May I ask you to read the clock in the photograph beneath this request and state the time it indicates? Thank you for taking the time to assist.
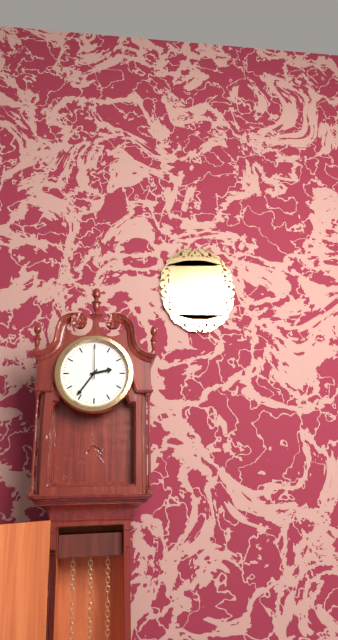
2:36
